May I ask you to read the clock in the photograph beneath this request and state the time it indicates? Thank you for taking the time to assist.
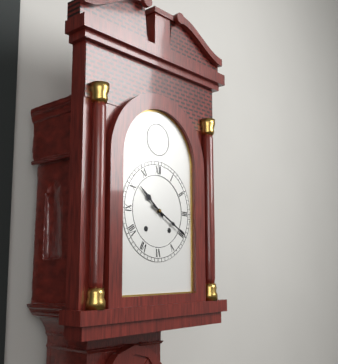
10:20
